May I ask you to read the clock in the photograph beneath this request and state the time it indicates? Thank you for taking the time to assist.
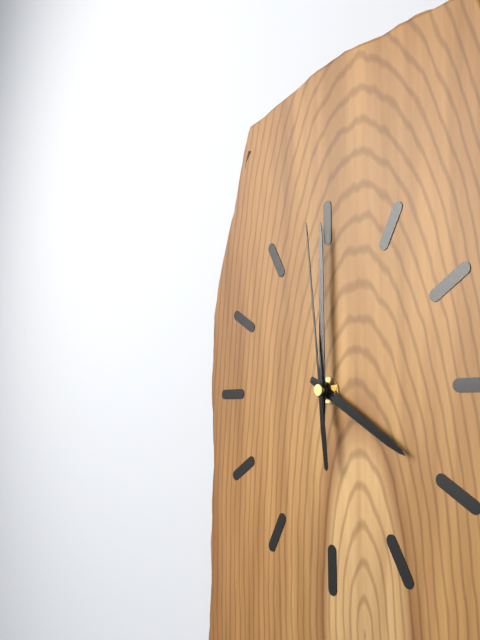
4:00:59
